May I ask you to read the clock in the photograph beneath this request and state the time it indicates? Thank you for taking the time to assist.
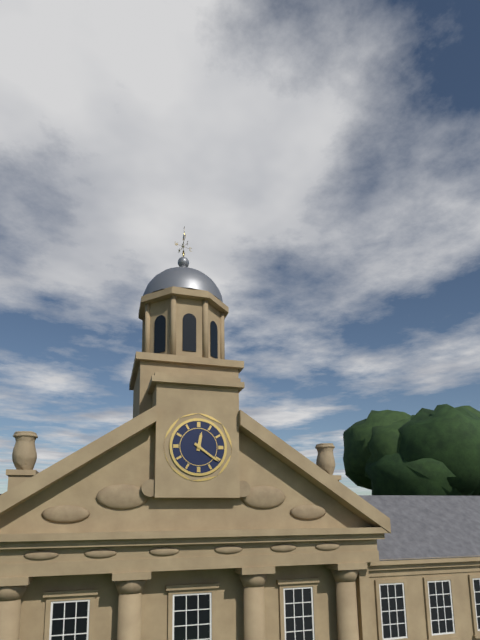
12:21
